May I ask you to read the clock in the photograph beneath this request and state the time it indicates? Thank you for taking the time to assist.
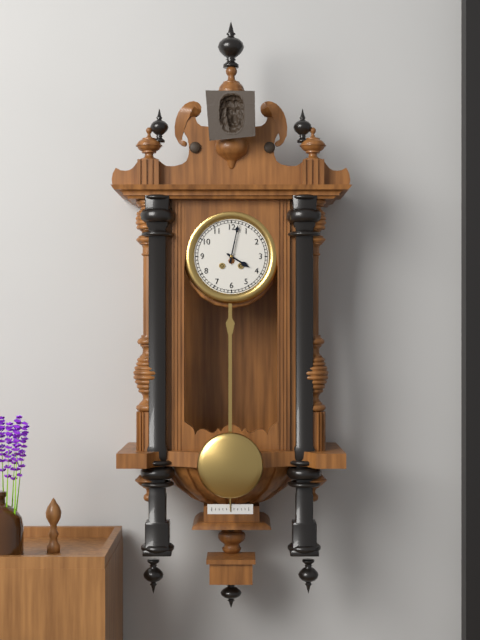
4:02
